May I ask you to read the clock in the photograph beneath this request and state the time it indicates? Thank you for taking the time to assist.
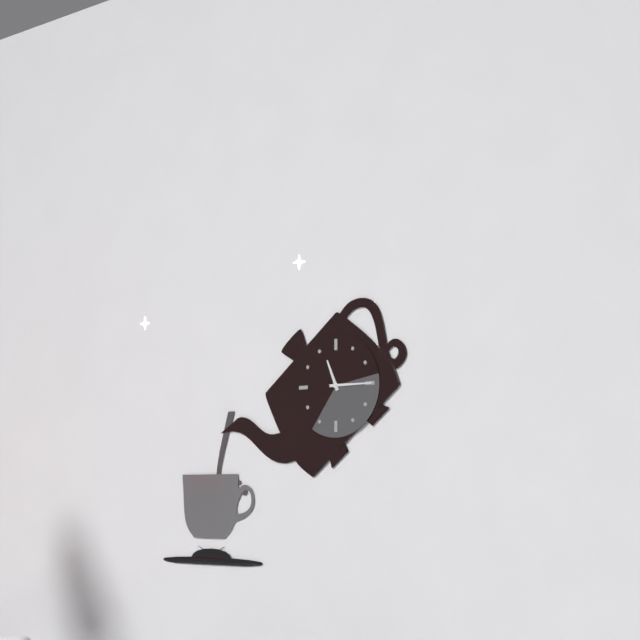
11:15
